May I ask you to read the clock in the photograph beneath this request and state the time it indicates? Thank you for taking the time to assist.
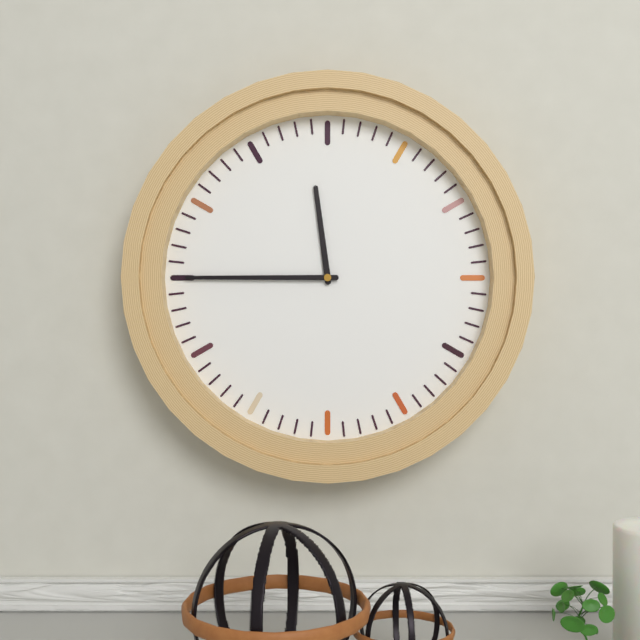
11:45
